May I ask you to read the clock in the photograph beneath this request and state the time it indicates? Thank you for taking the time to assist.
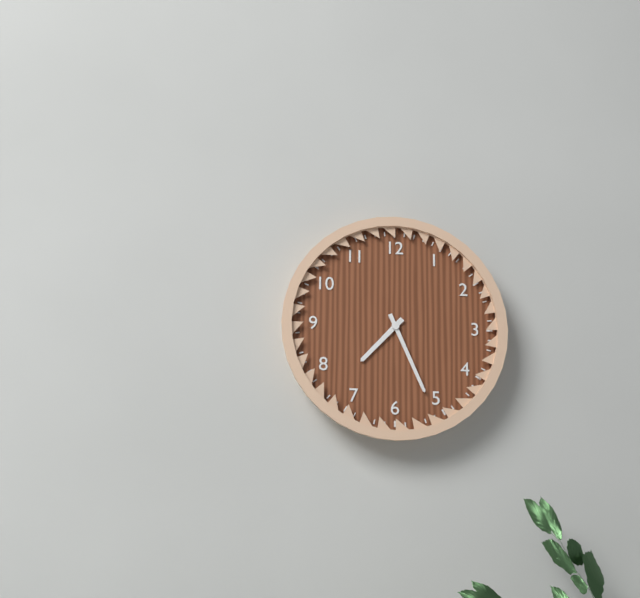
7:26
